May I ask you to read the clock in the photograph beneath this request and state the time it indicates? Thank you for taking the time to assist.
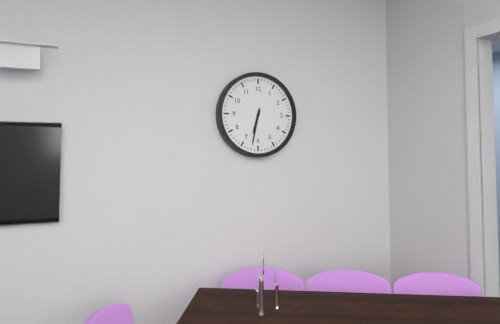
6:32
